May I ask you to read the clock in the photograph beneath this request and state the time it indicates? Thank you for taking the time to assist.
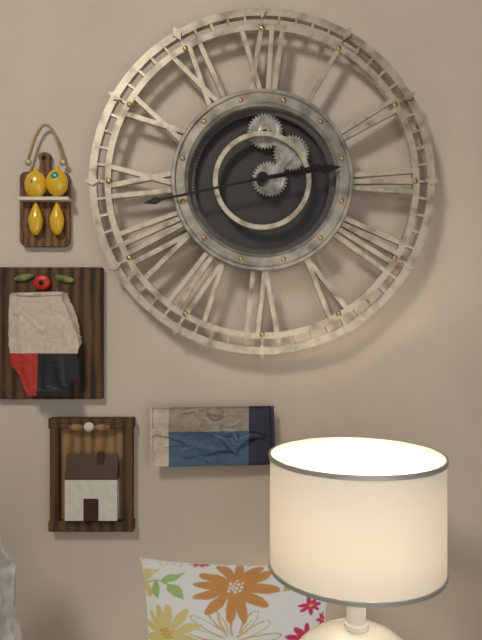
2:43
